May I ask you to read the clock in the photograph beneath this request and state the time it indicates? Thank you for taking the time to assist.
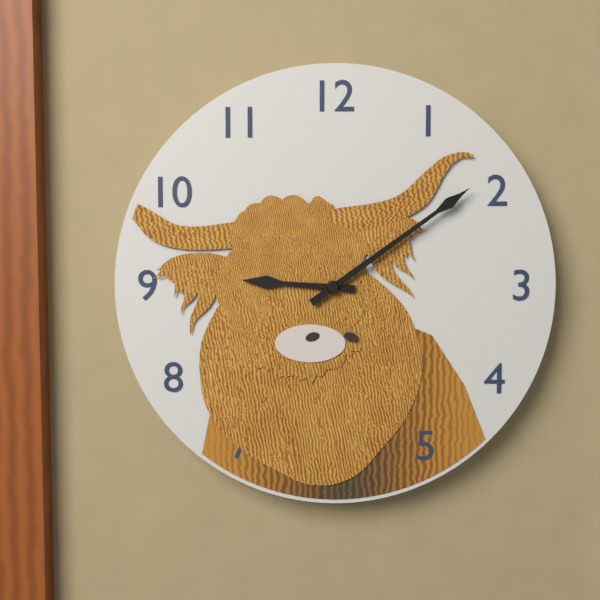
9:09
